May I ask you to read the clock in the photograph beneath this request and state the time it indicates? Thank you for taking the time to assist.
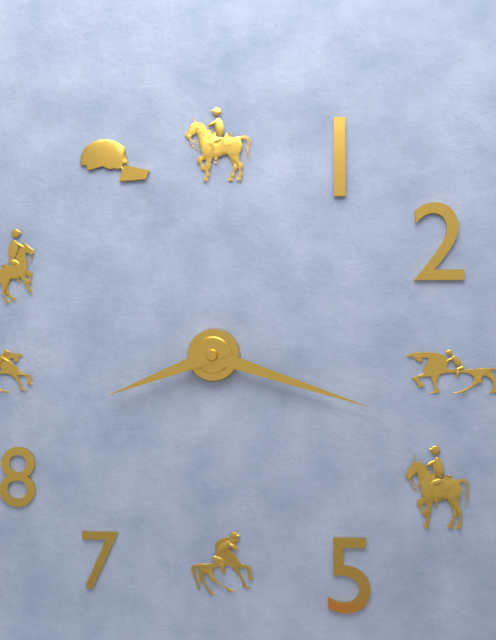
8:18
